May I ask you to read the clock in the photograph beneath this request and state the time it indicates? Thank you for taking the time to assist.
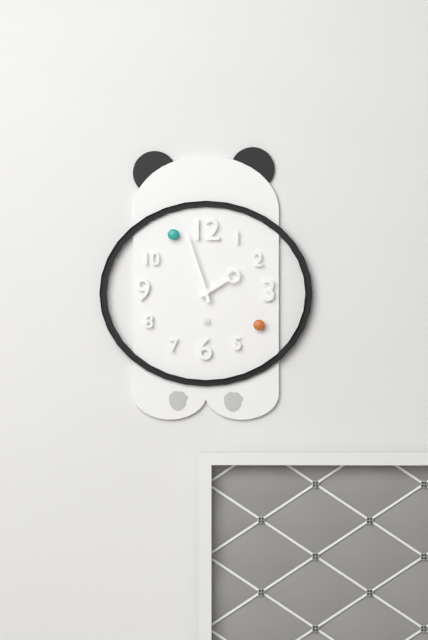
1:57
